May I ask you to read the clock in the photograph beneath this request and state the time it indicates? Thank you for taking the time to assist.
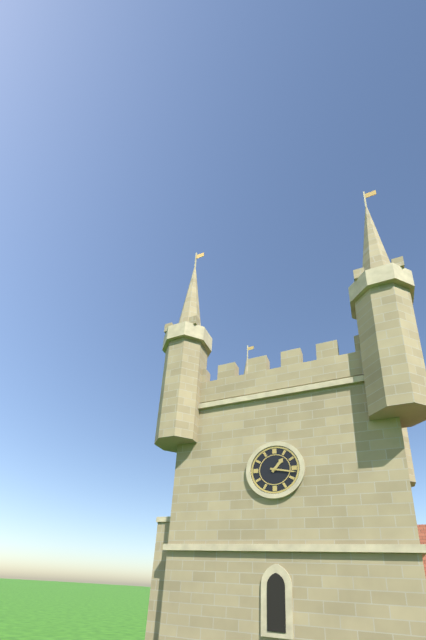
1:17
